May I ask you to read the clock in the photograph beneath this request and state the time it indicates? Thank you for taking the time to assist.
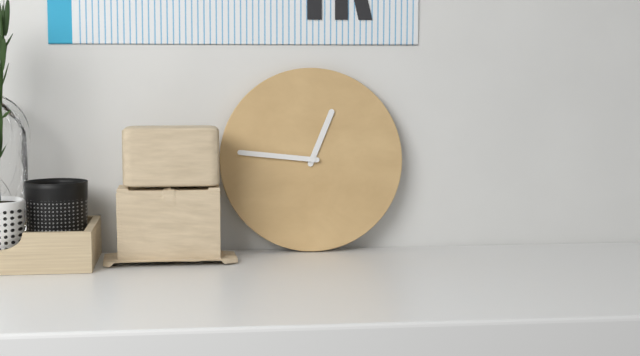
12:46
